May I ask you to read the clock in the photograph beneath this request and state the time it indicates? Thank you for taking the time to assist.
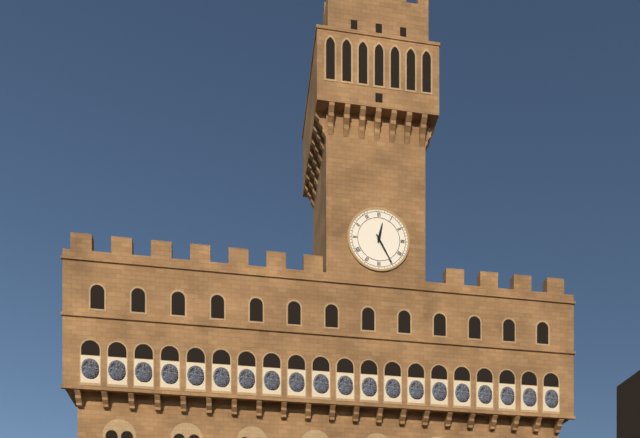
12:25
